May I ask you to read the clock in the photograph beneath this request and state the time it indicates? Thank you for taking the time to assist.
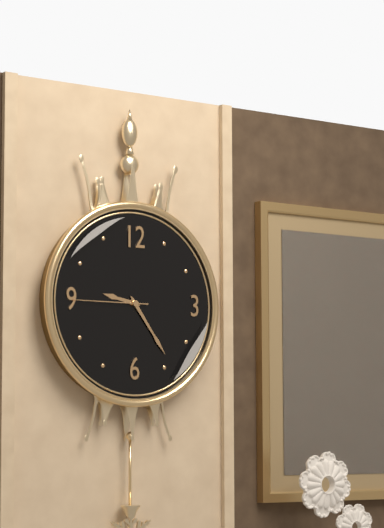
9:24:45
